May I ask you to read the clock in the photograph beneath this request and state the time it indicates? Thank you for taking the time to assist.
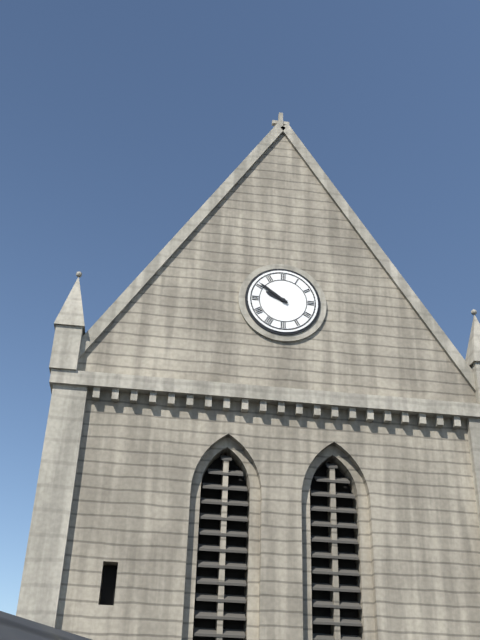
9:51
